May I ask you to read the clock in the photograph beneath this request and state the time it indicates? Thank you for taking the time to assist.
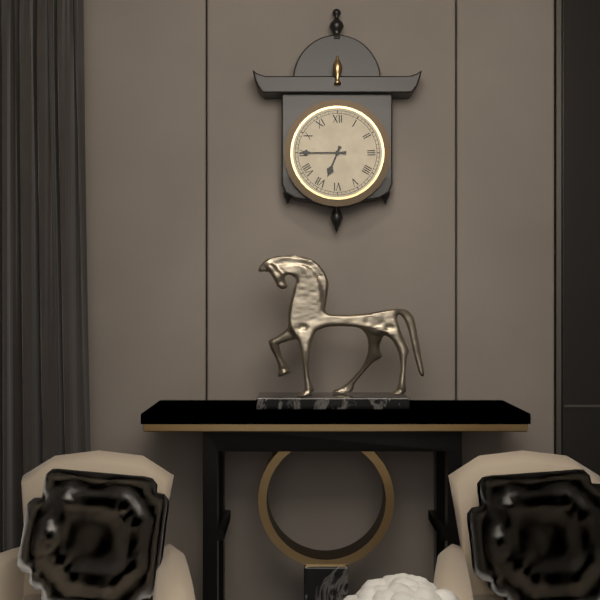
6:45
